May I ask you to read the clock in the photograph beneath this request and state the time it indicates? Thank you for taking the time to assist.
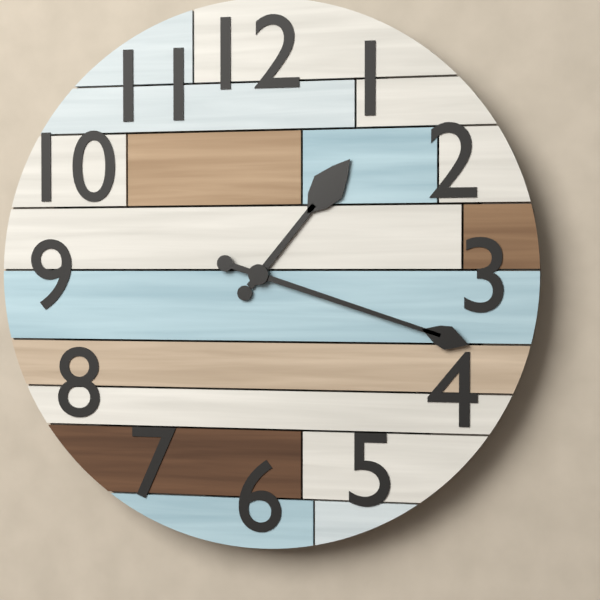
1:18
